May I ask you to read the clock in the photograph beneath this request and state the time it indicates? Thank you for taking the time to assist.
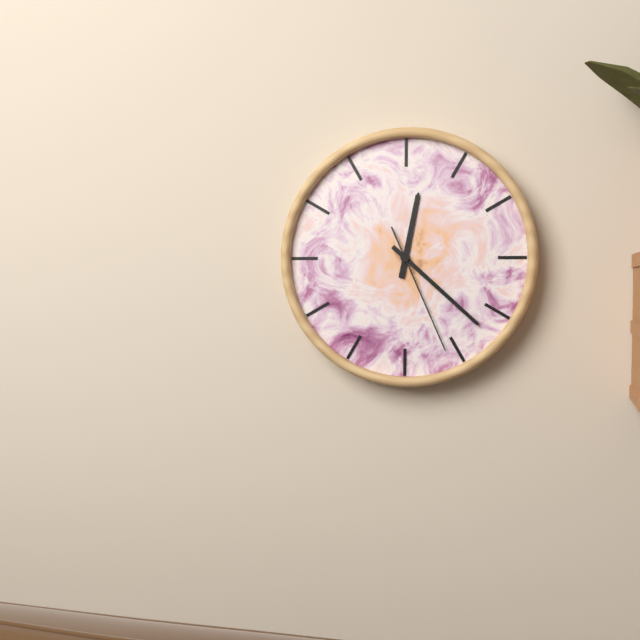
12:22:26
